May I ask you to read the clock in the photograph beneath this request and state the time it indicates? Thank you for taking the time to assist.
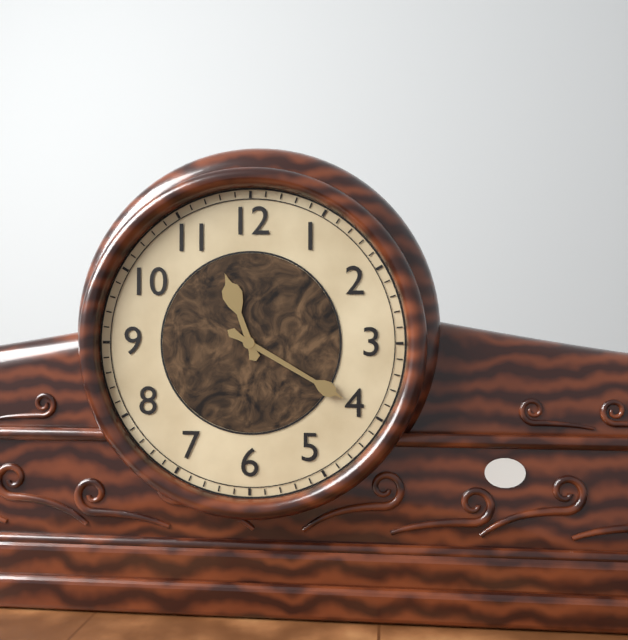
11:20
